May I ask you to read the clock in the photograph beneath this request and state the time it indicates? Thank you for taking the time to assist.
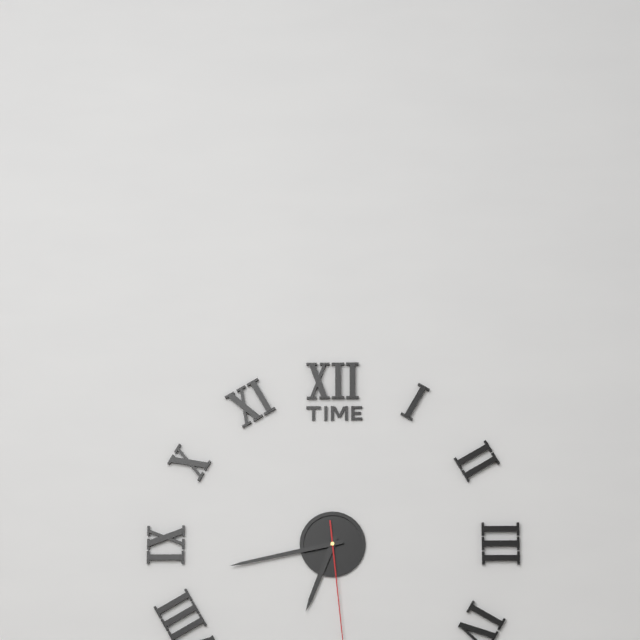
6:43:29
